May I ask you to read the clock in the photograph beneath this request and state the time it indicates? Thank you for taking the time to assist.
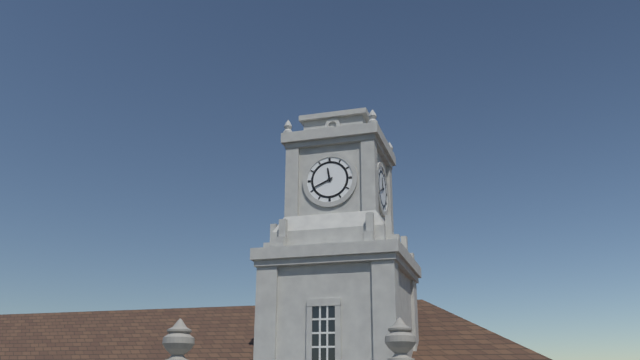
11:41
